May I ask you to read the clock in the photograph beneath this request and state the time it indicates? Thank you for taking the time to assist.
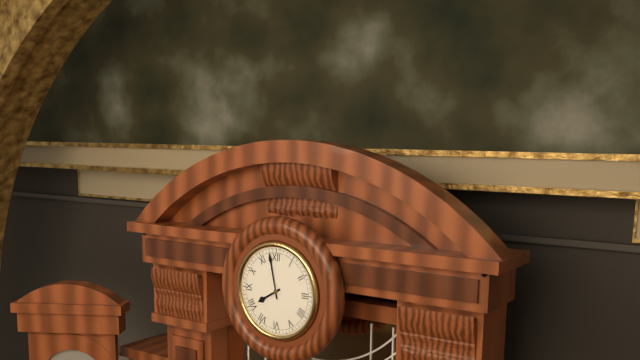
7:58
